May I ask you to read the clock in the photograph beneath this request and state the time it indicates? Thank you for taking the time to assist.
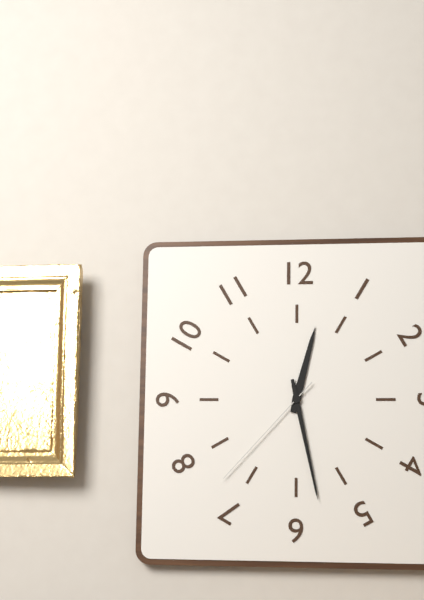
12:28:37
